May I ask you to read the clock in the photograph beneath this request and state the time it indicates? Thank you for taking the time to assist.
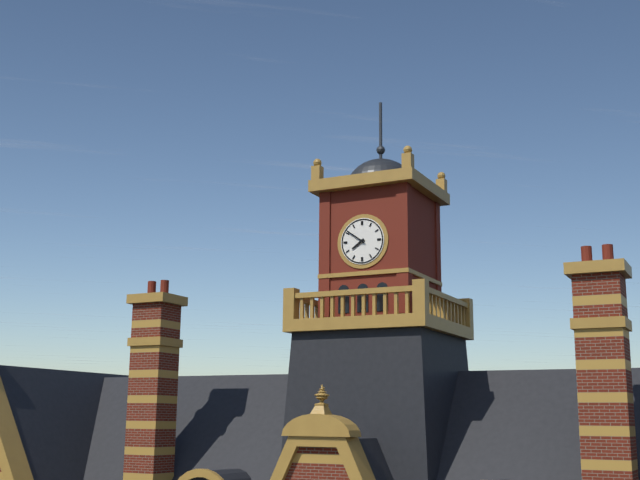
7:51
